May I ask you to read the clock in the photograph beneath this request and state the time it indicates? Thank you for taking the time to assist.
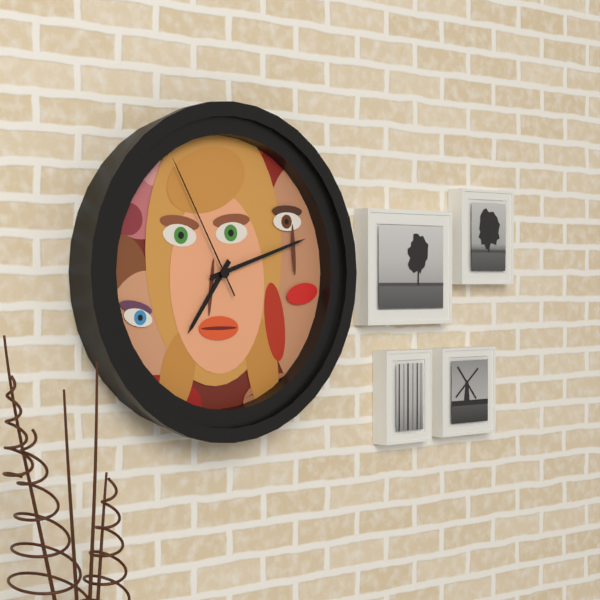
7:12:55
